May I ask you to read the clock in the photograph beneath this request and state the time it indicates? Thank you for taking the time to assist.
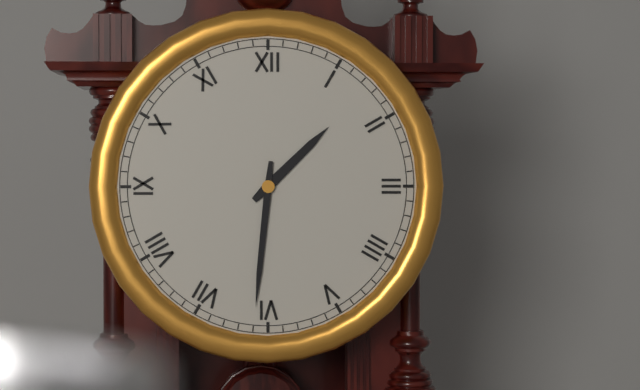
1:31
